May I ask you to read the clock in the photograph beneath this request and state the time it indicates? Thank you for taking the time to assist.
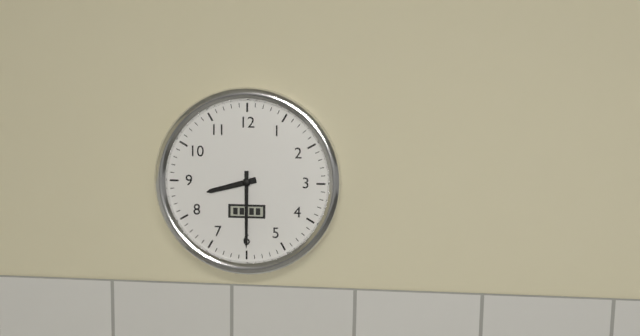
8:30
